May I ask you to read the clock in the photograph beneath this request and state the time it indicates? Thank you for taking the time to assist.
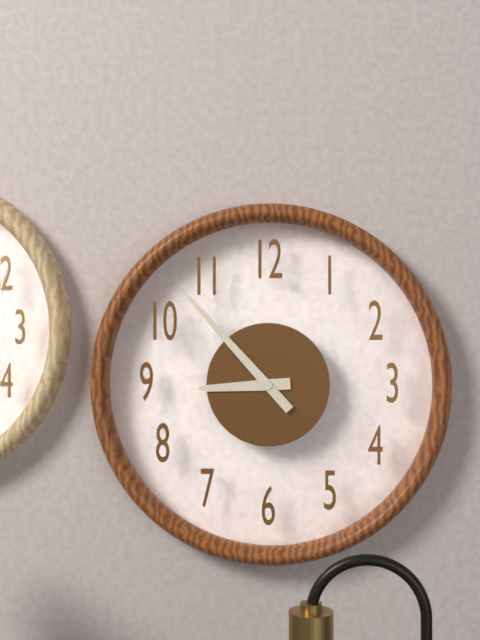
8:53
